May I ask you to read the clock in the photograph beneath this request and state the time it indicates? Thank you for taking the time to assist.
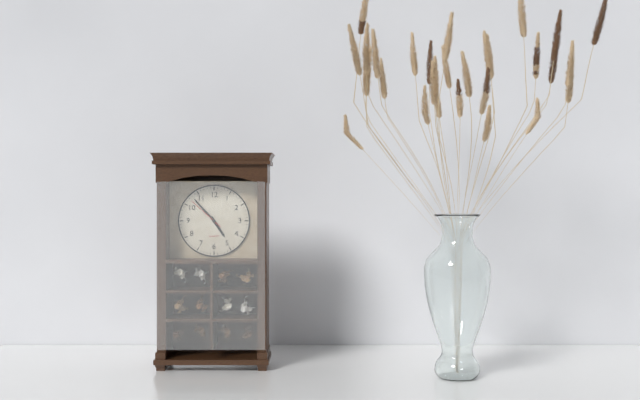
4:53
